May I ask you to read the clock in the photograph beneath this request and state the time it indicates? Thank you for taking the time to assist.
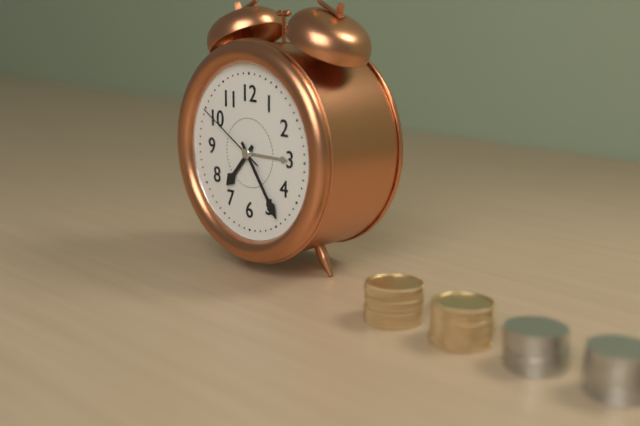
7:24:50
